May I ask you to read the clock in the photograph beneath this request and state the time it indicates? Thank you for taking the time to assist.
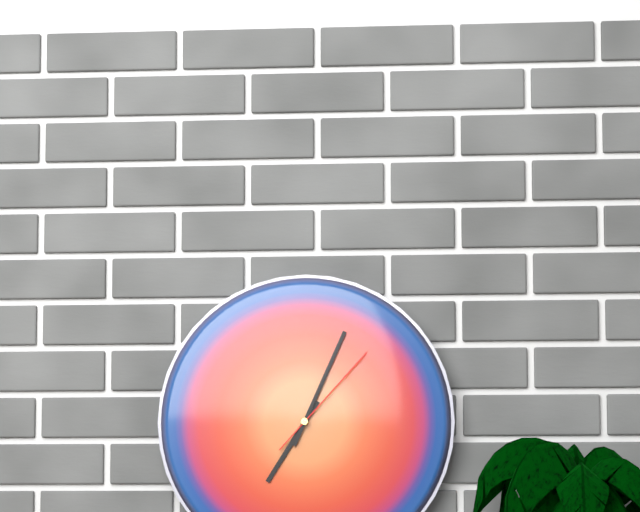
7:04:07
